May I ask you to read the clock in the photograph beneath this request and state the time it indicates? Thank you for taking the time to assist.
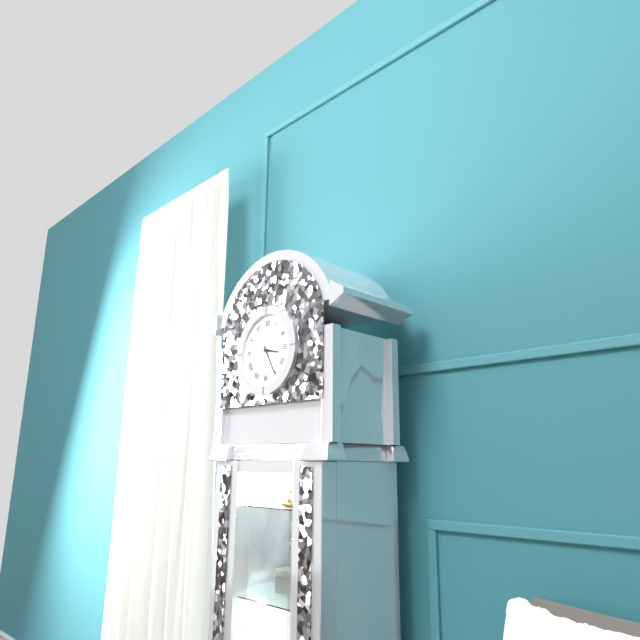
3:25
